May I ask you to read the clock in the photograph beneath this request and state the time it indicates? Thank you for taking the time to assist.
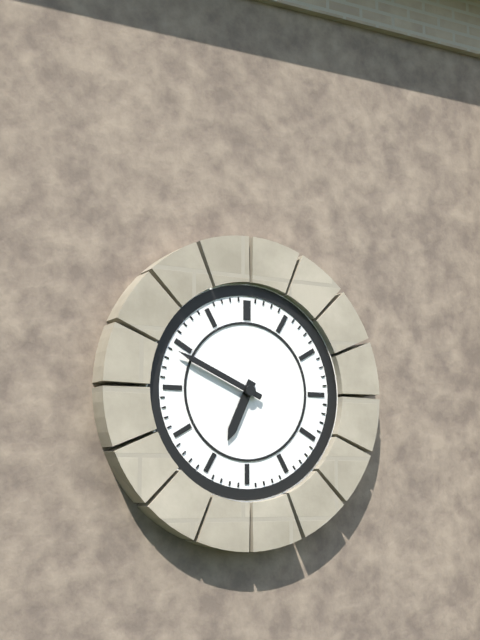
6:49
